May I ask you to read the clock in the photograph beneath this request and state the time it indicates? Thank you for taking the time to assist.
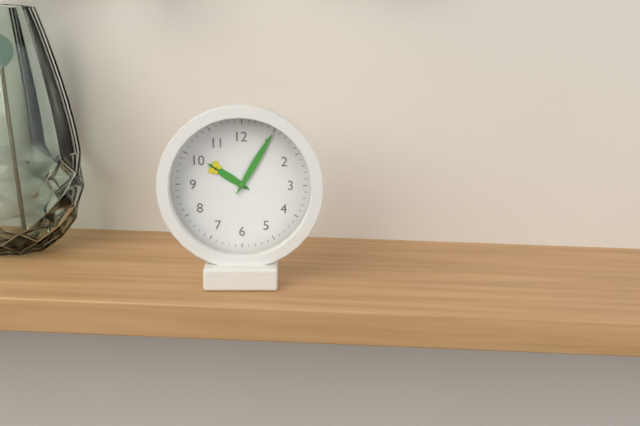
10:05
